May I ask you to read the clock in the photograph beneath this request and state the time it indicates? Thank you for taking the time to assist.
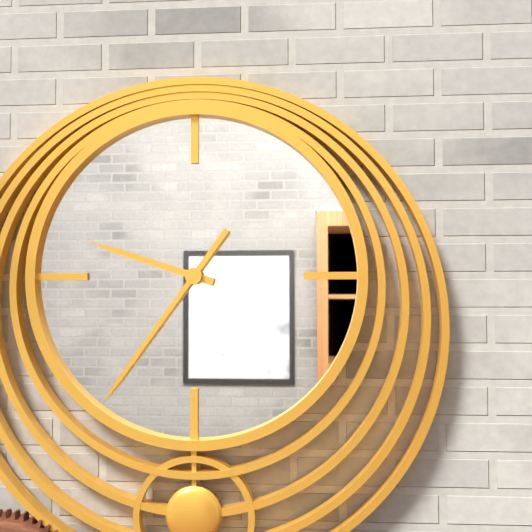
9:36
